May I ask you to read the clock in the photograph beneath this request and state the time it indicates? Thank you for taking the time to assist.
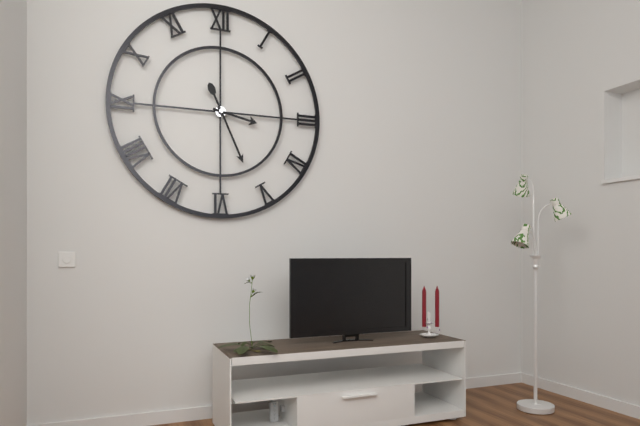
3:26
